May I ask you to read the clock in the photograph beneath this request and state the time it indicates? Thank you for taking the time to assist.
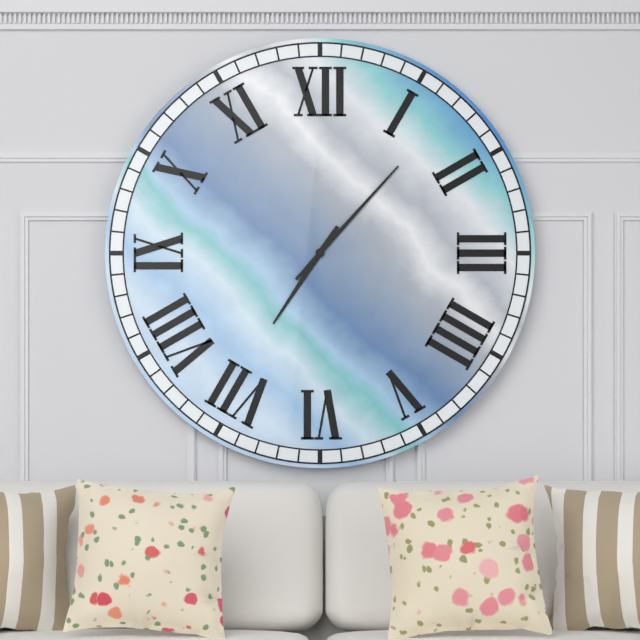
7:07
